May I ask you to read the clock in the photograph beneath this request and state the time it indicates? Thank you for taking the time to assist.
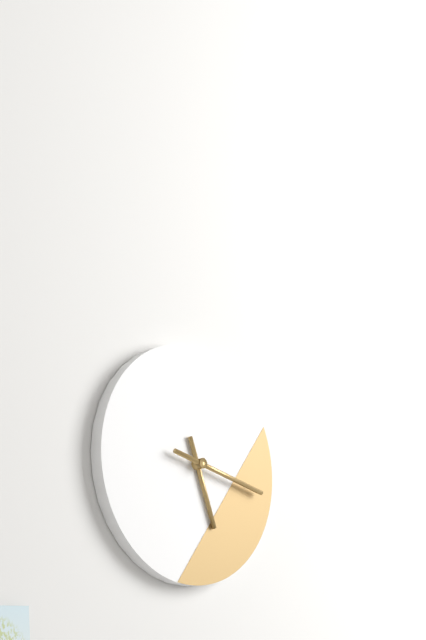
5:17
